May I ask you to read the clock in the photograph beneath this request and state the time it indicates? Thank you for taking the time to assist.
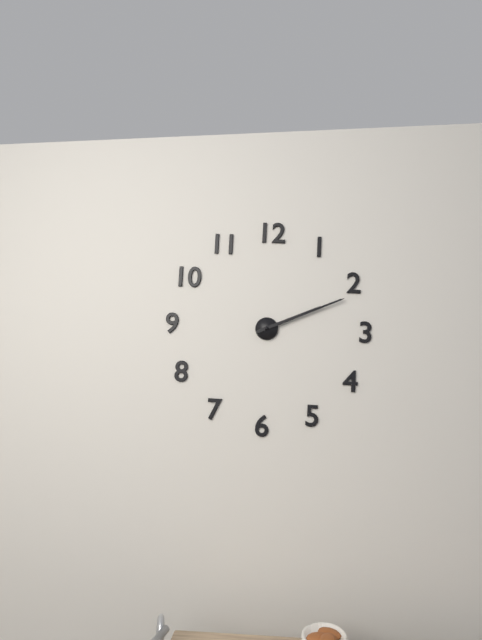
2:11
